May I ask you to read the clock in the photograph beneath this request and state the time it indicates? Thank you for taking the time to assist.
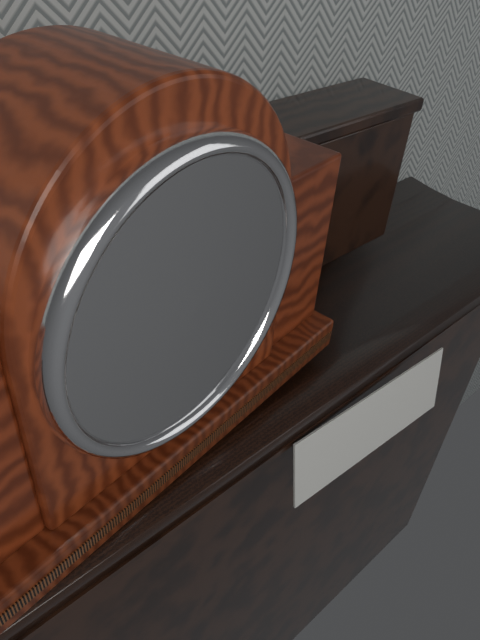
8:00
